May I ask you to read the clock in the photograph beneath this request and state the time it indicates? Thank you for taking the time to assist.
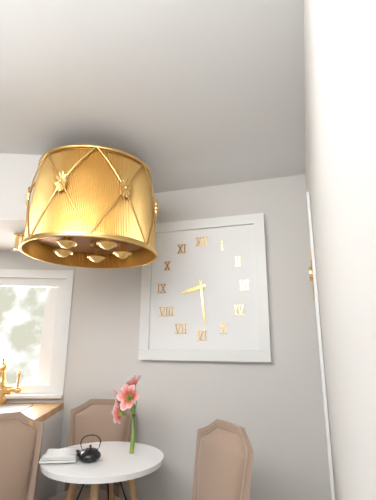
8:29
